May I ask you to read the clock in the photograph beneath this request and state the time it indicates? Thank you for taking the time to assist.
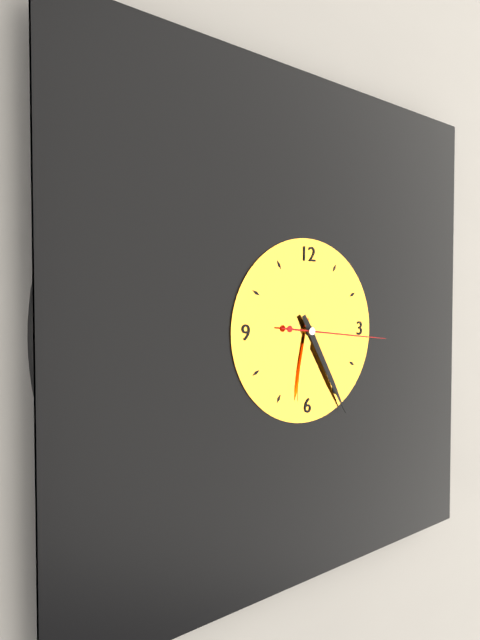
6:25:16
